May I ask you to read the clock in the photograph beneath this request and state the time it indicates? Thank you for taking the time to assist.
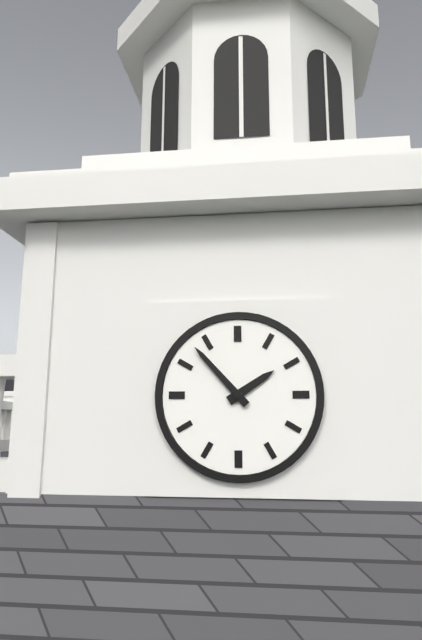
1:53
